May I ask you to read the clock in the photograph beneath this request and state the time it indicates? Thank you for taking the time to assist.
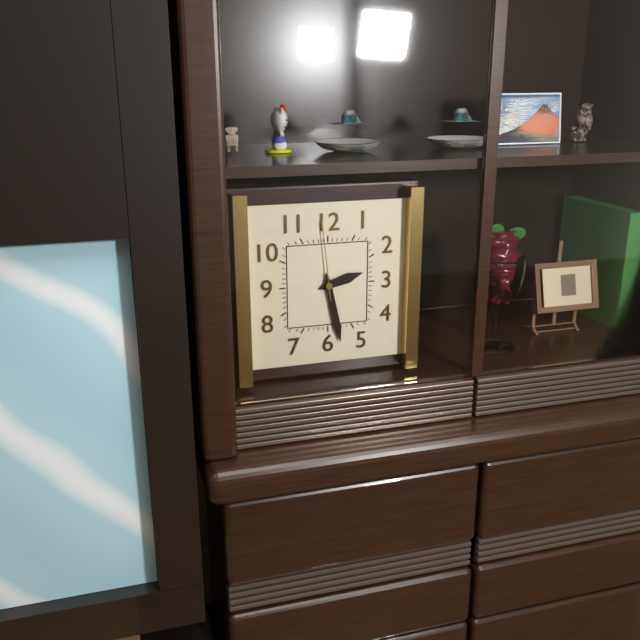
2:28:59
